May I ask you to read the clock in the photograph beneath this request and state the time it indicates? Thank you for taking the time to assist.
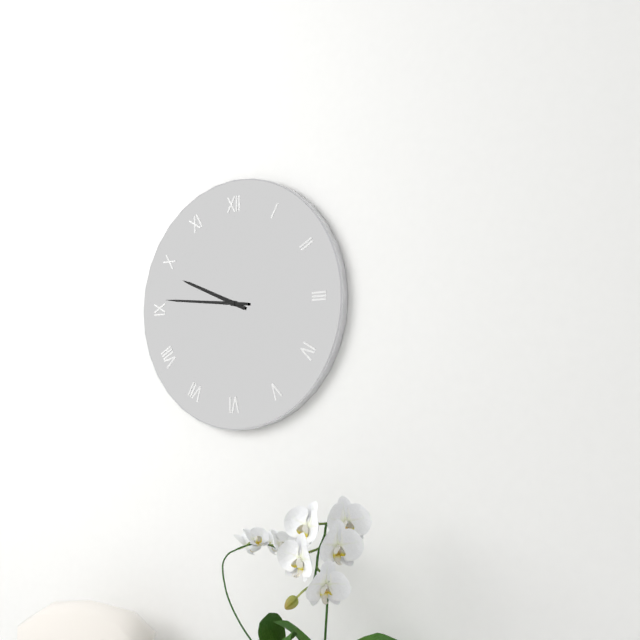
9:46
